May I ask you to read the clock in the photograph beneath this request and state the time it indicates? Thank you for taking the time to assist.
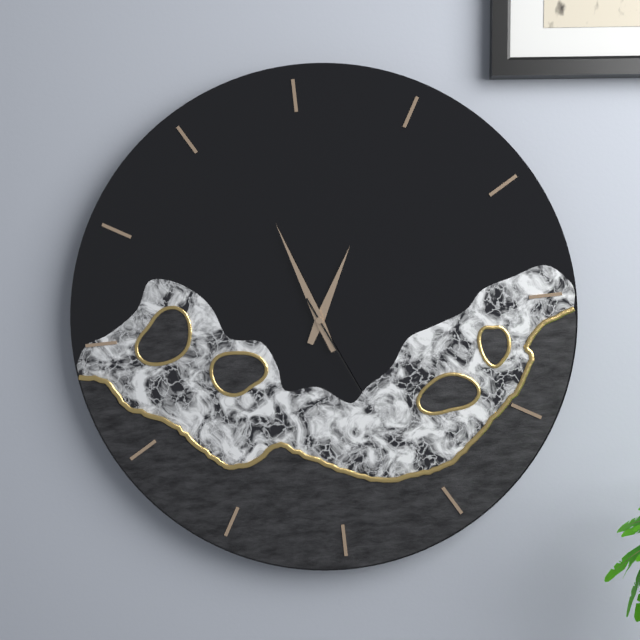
12:57:26
